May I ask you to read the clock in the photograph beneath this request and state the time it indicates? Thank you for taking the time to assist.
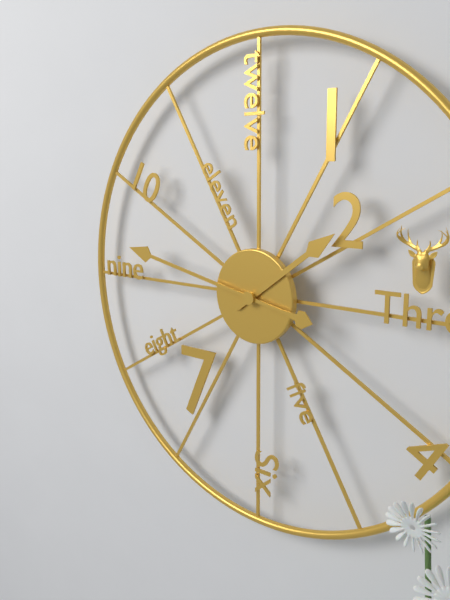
1:47
